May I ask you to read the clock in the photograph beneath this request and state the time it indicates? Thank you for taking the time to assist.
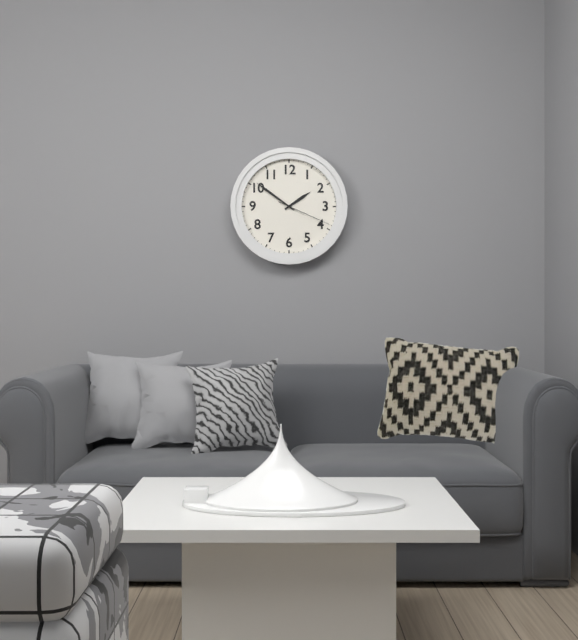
1:51:19
